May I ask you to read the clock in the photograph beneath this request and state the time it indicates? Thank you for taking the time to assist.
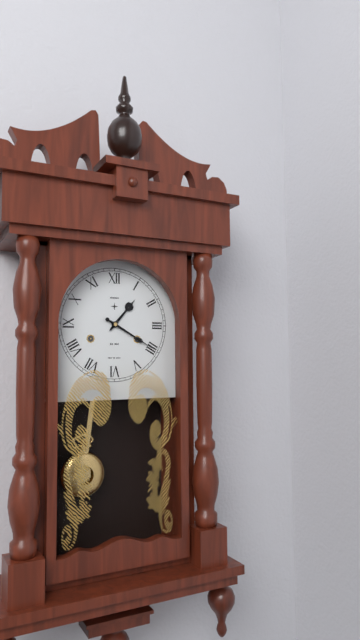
1:20
